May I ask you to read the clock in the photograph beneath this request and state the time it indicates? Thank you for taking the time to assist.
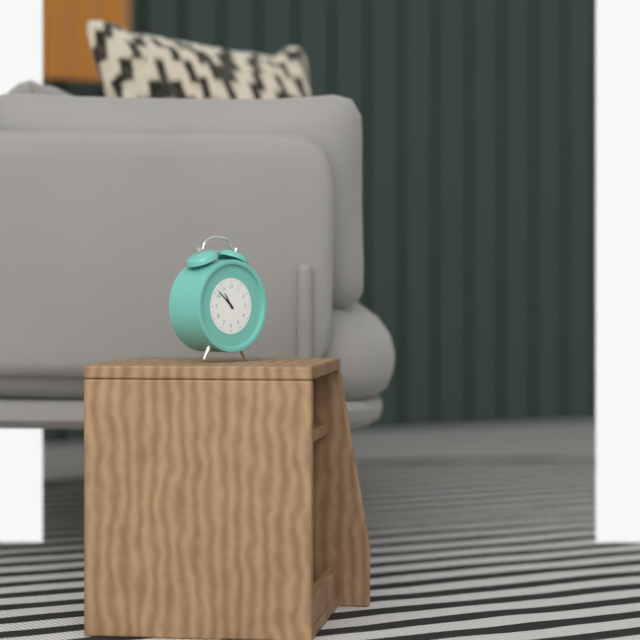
10:52
